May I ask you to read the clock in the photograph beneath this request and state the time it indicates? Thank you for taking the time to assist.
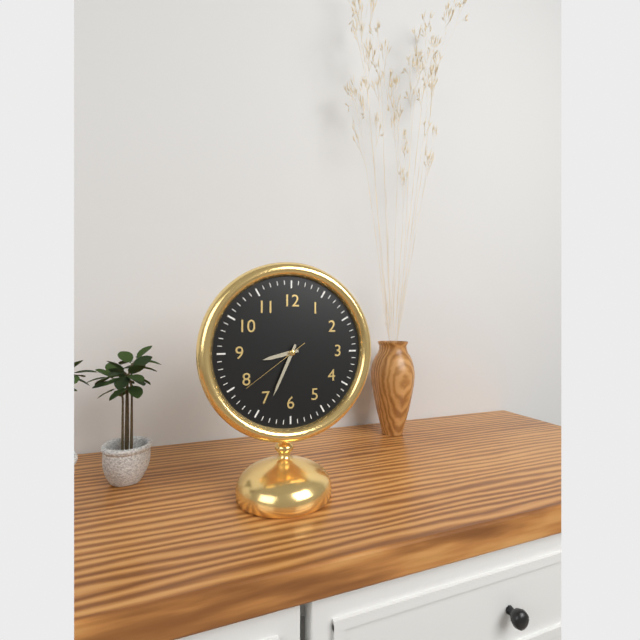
8:34:39
